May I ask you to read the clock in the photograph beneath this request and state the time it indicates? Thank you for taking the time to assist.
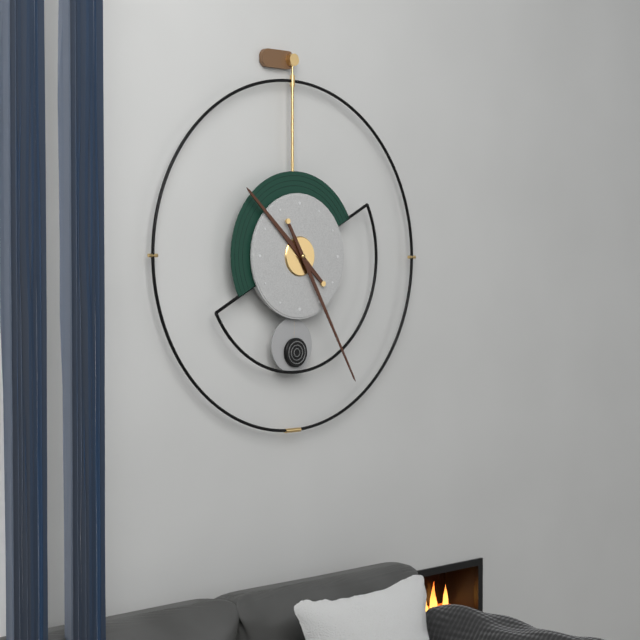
10:25
